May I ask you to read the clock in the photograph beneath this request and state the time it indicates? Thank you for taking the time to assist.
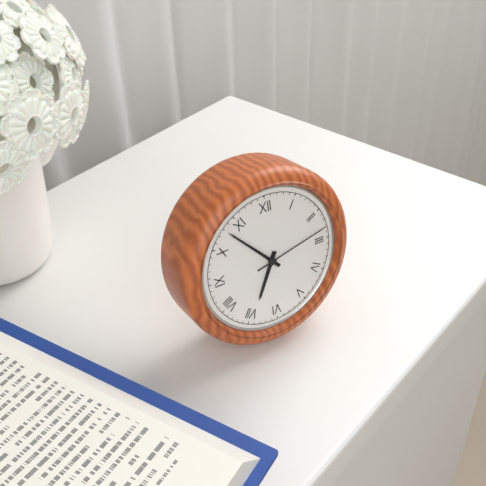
6:53:13
